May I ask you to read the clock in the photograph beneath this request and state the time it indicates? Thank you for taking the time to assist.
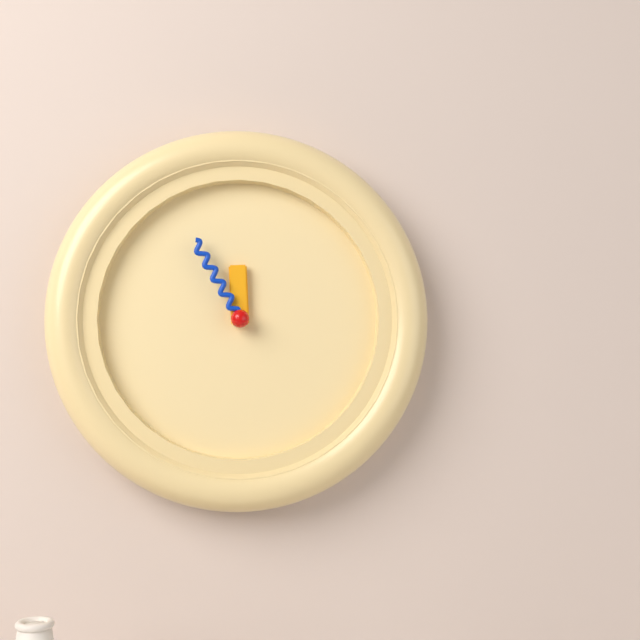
11:55
